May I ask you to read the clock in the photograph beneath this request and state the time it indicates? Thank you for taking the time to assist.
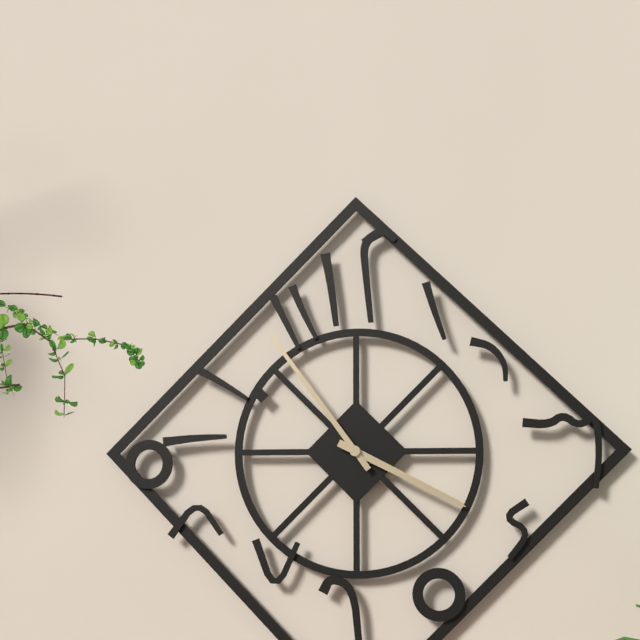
3:54
